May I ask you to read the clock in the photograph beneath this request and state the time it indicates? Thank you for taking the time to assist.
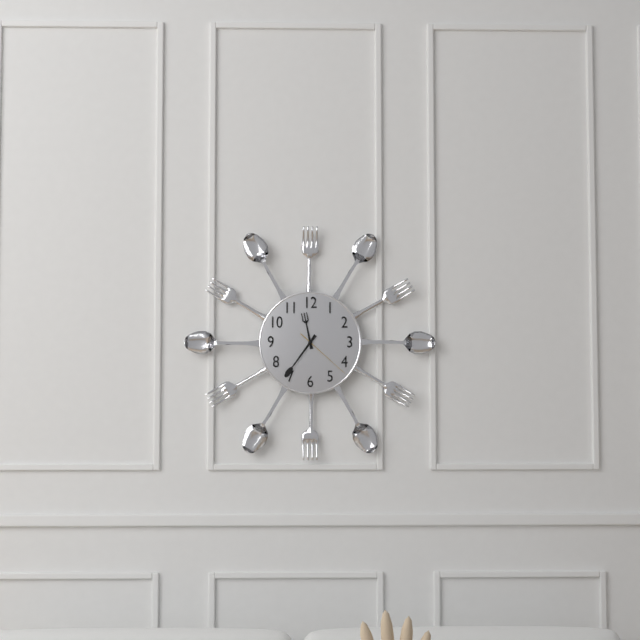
11:36:22
